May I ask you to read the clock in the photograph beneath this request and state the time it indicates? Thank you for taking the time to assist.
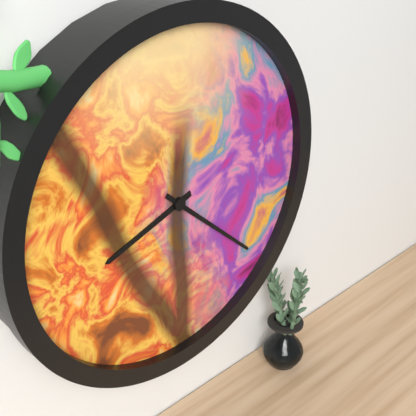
8:22
